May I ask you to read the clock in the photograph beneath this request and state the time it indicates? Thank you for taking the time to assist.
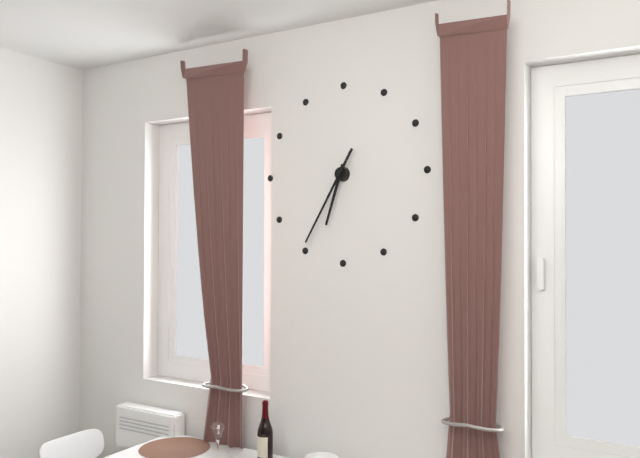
6:35
